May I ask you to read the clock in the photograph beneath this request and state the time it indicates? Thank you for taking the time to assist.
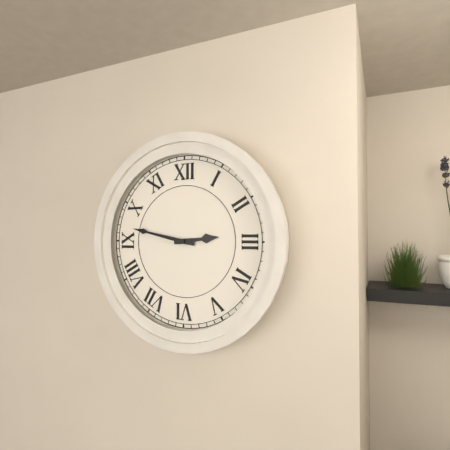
2:47
